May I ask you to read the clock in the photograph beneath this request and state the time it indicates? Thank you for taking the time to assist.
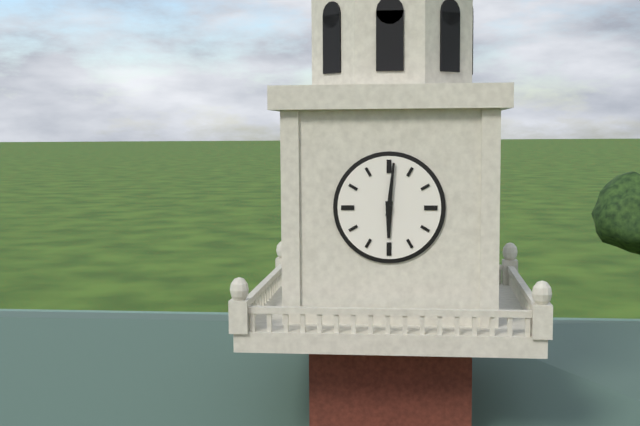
6:01
